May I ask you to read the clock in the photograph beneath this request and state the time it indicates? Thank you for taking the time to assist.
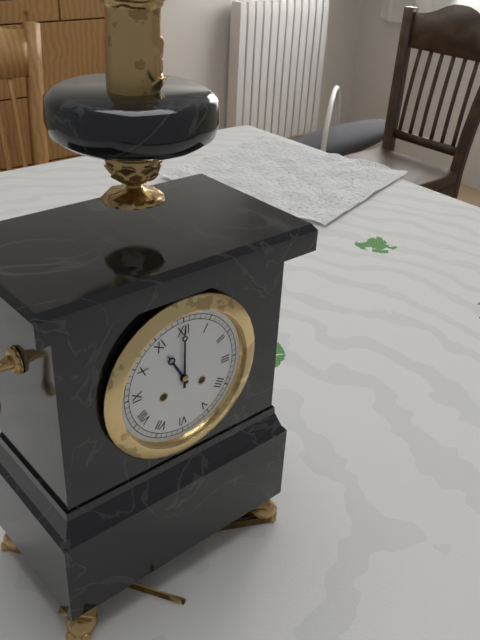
11:00
